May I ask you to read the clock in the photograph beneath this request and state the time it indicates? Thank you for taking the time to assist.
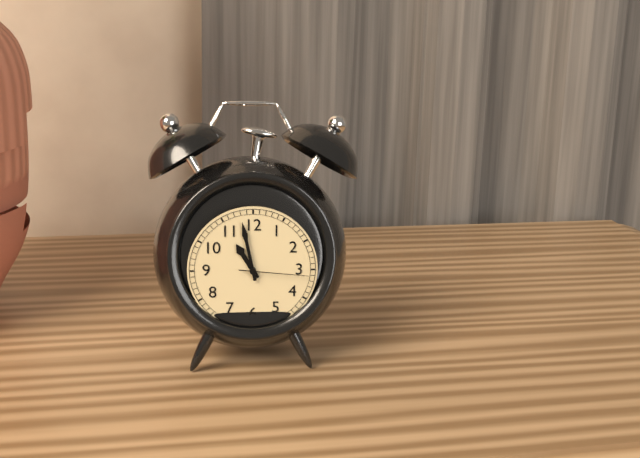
10:58:16
